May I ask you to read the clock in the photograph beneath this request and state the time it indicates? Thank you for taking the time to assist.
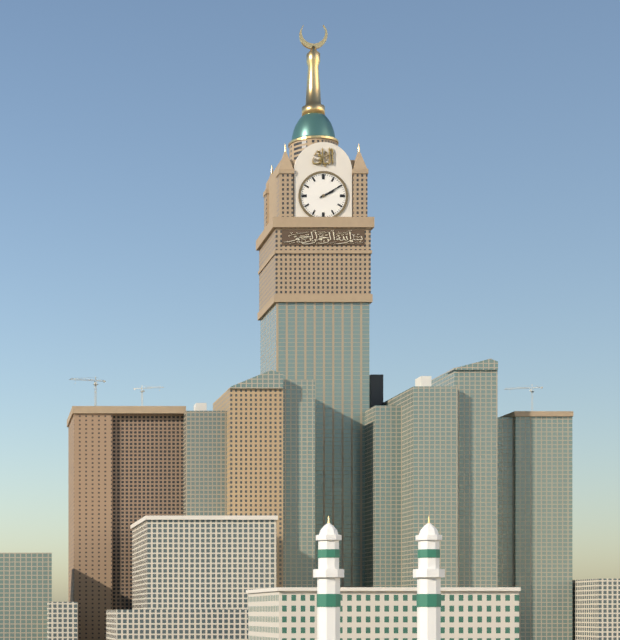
2:10
